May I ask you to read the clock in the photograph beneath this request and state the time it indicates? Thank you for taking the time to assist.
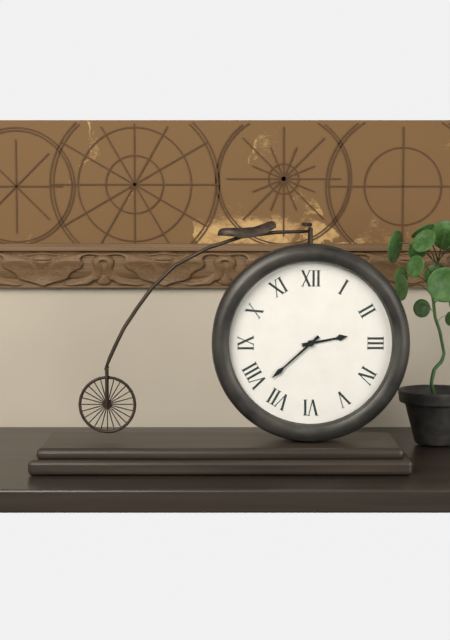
2:38
